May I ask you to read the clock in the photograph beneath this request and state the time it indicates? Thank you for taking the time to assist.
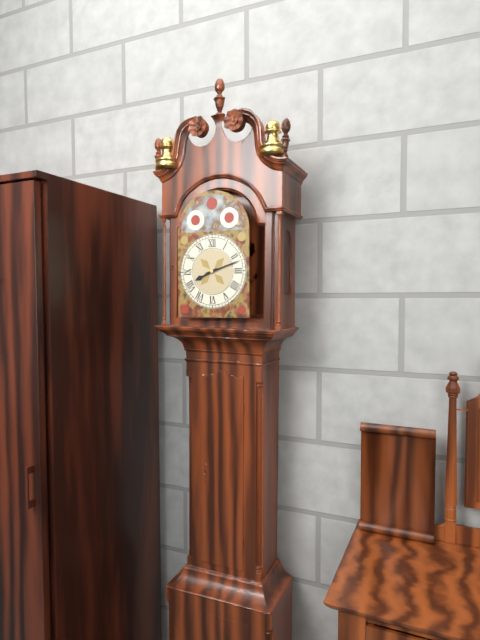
8:12
